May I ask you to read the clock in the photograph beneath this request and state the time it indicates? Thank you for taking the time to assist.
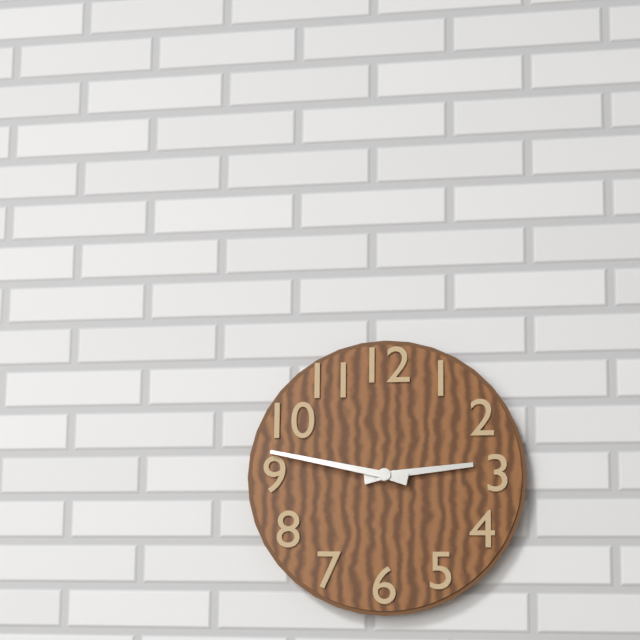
2:47
